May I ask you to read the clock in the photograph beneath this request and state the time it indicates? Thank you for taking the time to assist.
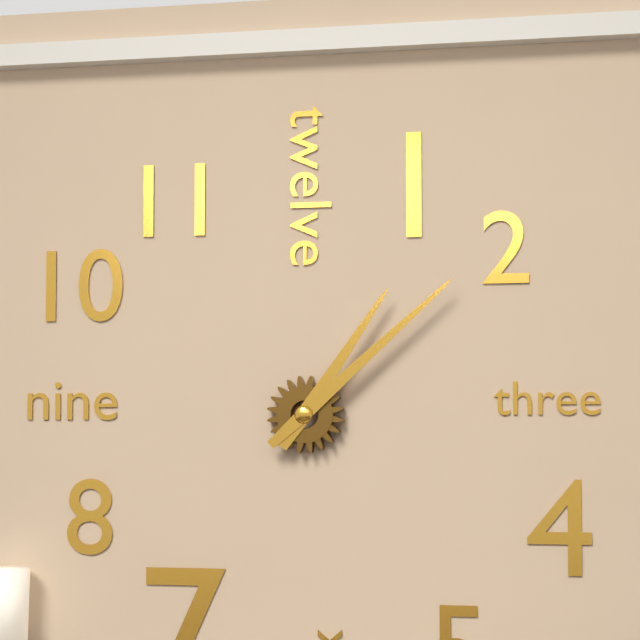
1:08
